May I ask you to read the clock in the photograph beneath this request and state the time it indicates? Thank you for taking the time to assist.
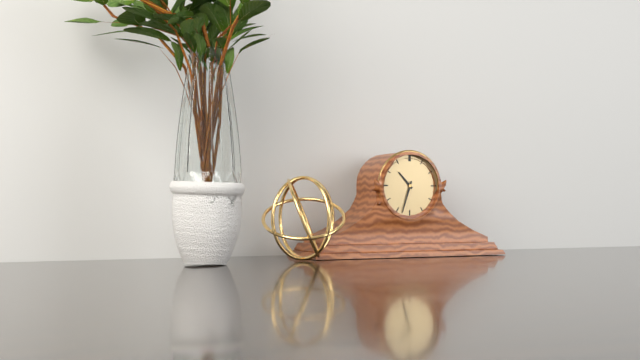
10:33
